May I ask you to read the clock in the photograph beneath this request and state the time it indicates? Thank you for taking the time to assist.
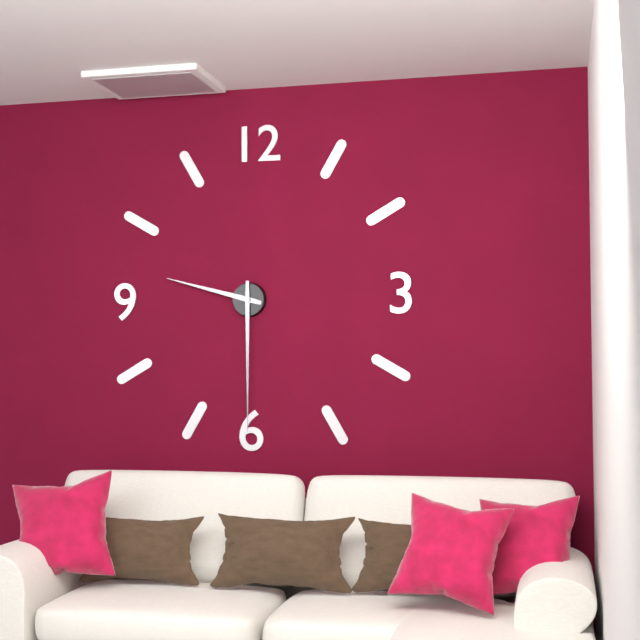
9:30
